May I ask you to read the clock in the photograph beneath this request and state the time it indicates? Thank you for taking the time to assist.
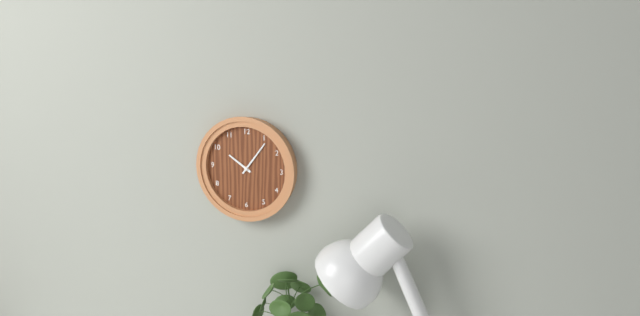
10:06
